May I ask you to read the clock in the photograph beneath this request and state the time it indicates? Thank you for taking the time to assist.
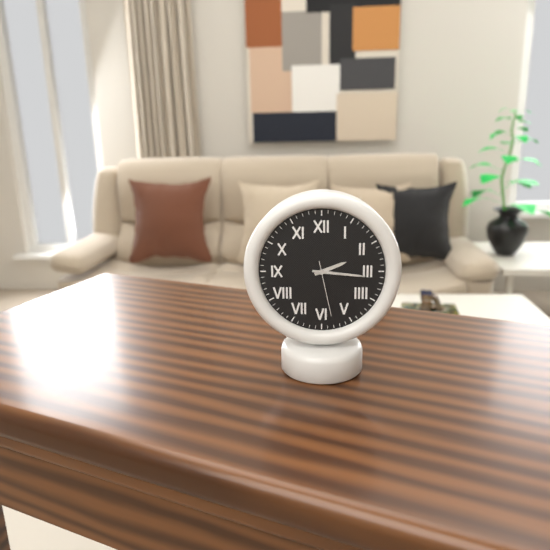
2:16:28
